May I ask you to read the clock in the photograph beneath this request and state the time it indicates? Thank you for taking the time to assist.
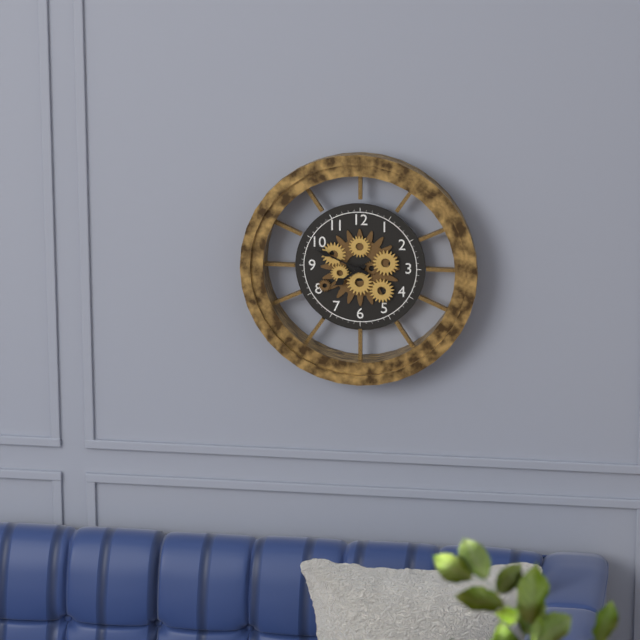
7:49
